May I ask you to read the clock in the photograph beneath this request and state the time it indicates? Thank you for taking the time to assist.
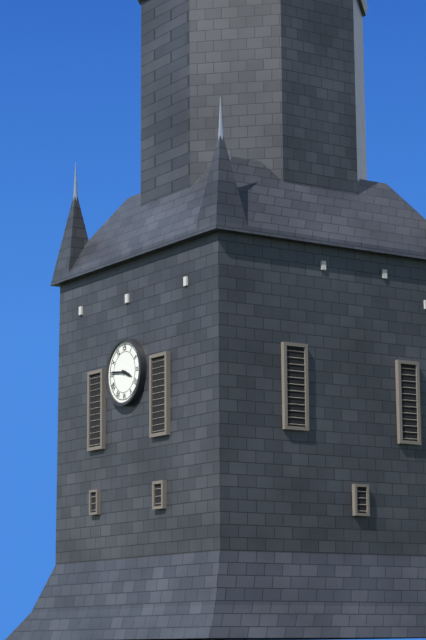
3:46
